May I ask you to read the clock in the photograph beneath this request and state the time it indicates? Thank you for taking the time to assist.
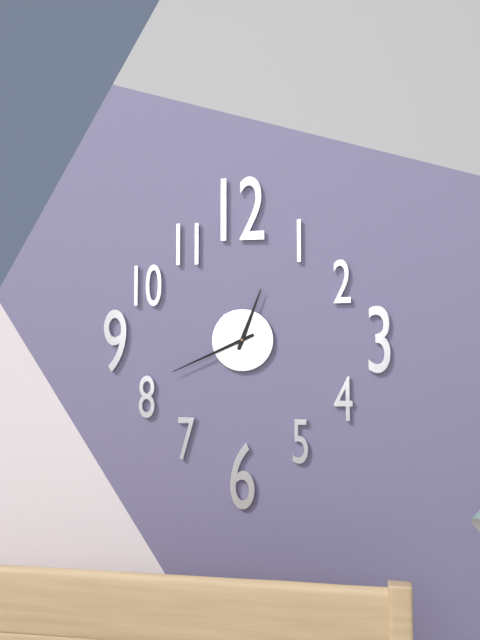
12:41
